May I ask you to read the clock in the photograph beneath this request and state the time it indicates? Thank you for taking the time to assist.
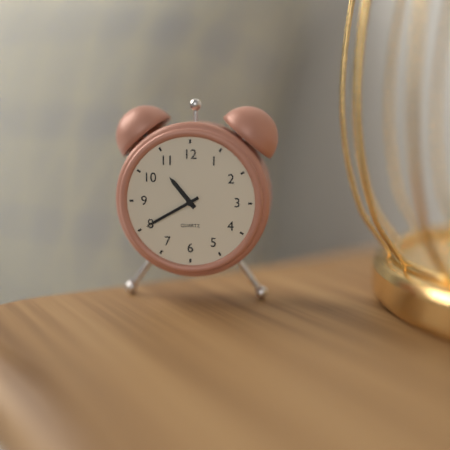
10:40
